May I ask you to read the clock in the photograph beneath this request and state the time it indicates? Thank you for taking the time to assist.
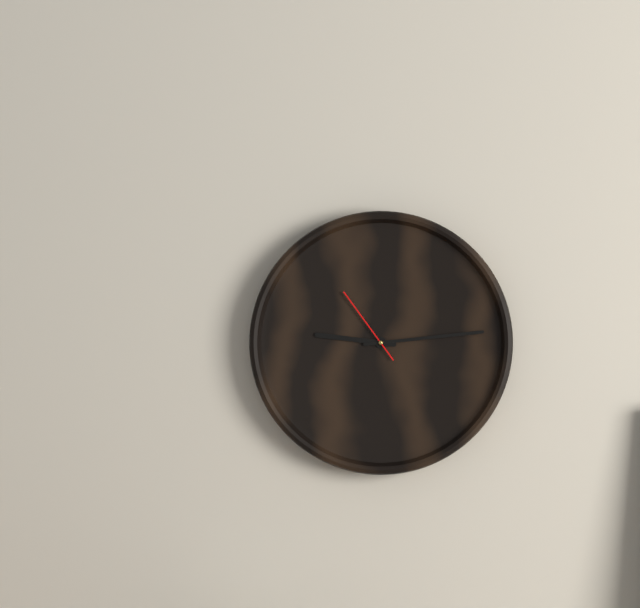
9:14:54
